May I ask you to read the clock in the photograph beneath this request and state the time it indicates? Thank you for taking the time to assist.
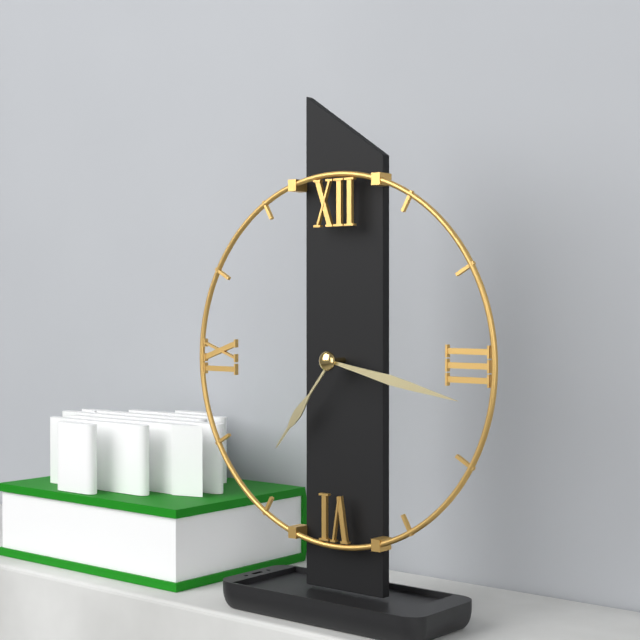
7:17
